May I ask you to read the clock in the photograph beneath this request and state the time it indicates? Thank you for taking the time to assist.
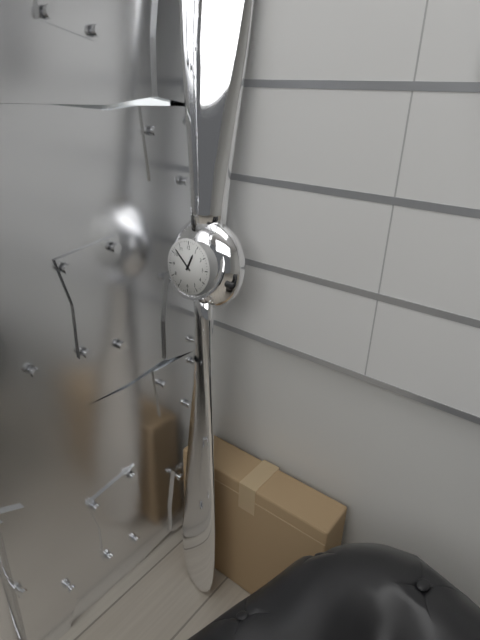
12:52
